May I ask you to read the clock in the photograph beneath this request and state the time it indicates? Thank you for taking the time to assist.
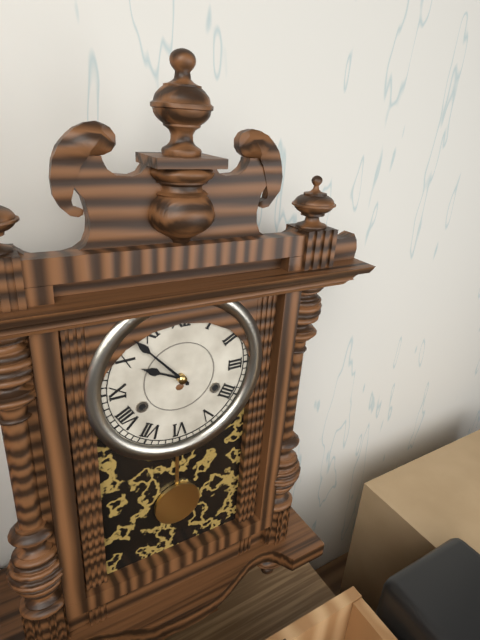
9:53
